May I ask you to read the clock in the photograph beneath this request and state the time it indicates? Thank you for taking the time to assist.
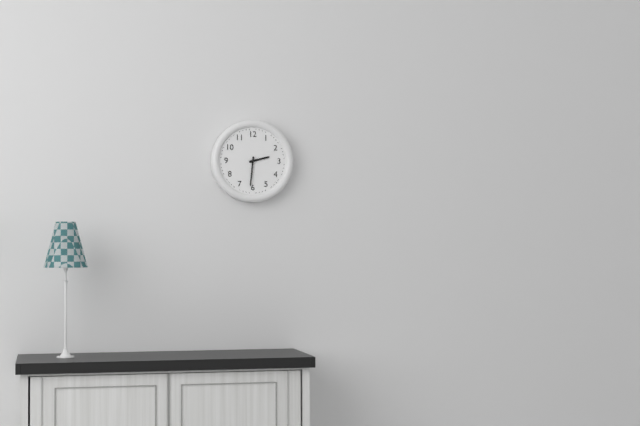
2:31
